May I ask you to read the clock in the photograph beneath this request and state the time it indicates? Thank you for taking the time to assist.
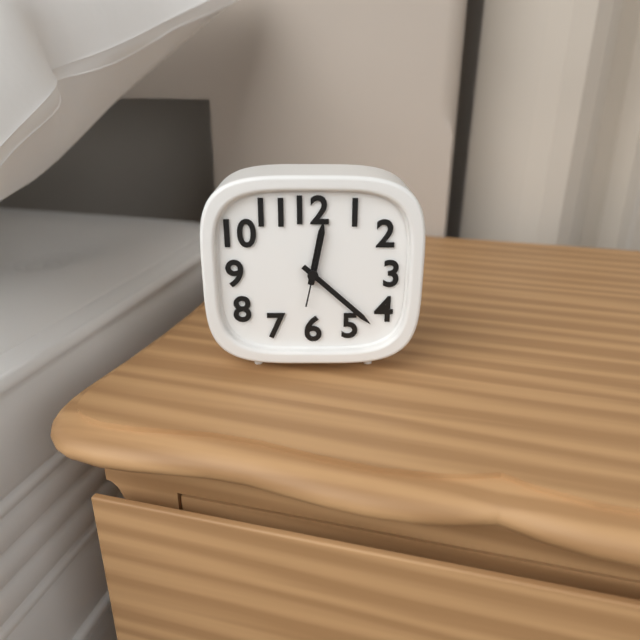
12:22:02
